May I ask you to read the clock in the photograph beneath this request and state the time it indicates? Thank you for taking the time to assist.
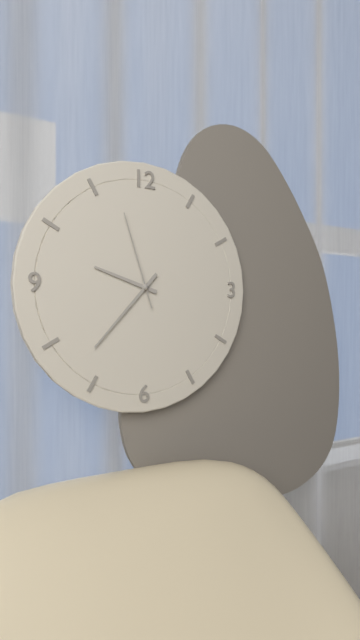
9:37:57
